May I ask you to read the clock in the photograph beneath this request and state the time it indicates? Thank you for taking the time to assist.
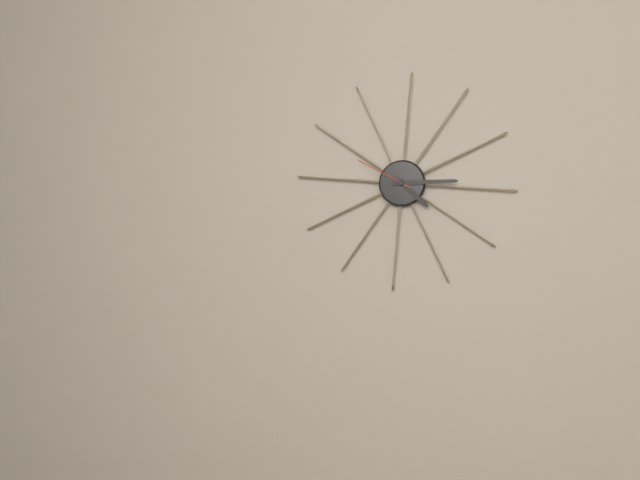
4:14:49
